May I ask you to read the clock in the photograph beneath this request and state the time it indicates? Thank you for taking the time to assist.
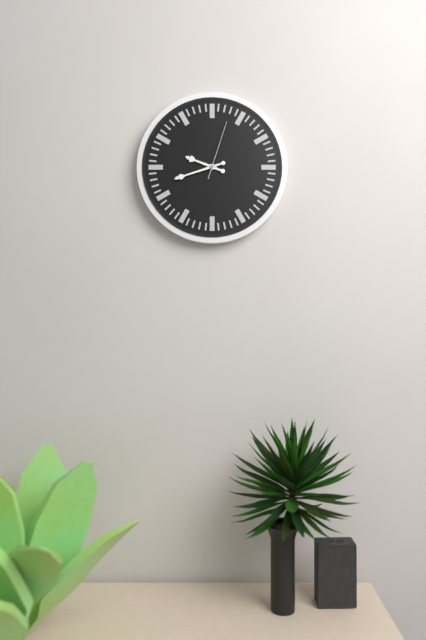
9:42:03
